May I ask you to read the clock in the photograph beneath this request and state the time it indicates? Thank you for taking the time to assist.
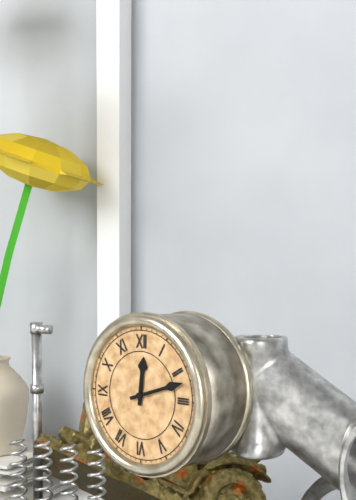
12:12
